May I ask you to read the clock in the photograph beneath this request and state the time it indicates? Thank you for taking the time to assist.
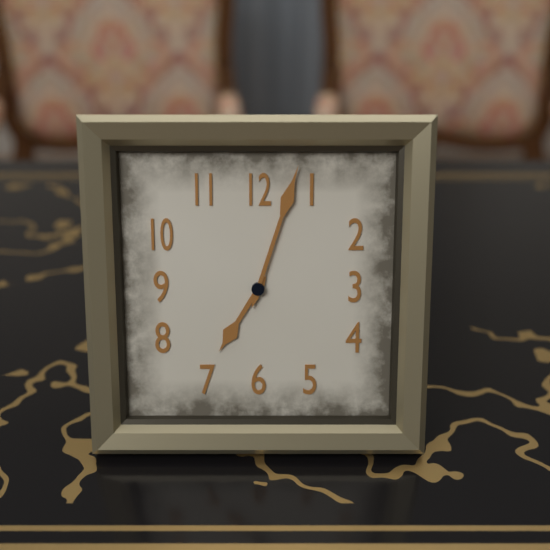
7:03
